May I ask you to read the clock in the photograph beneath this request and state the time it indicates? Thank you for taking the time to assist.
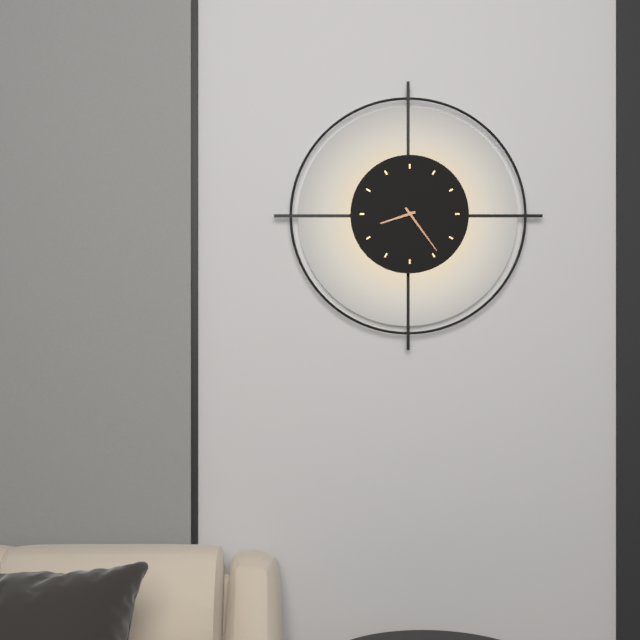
8:24
